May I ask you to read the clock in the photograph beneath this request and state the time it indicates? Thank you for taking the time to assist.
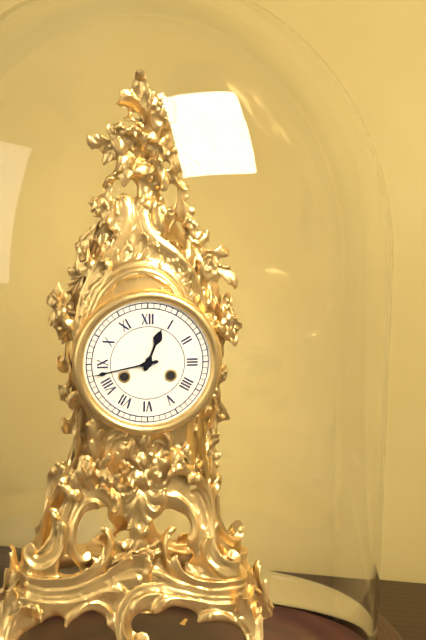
12:43
